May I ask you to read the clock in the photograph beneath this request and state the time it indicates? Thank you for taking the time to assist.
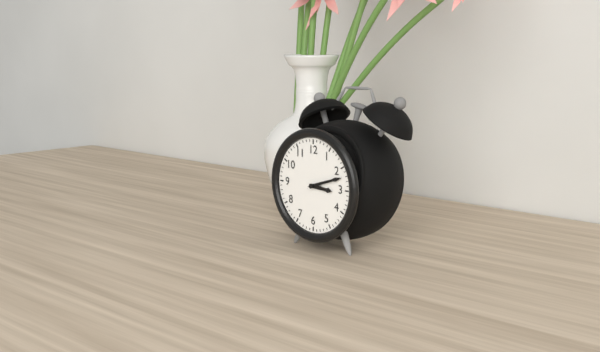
3:12
